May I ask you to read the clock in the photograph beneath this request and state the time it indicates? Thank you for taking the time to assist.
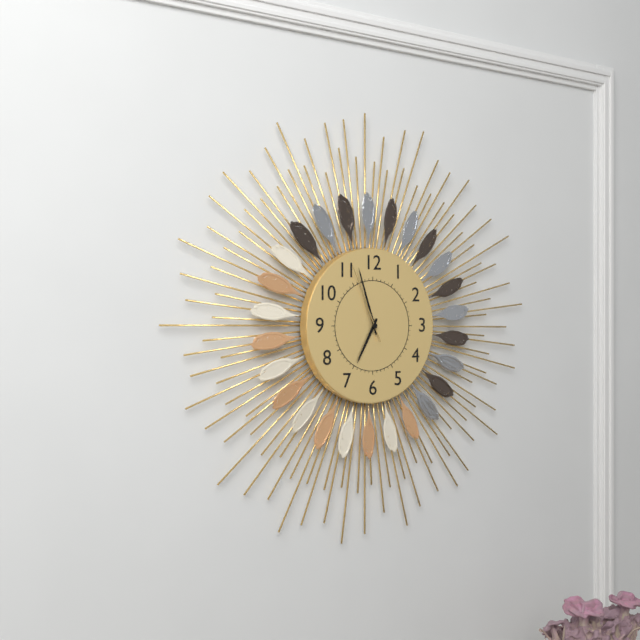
6:57:56
